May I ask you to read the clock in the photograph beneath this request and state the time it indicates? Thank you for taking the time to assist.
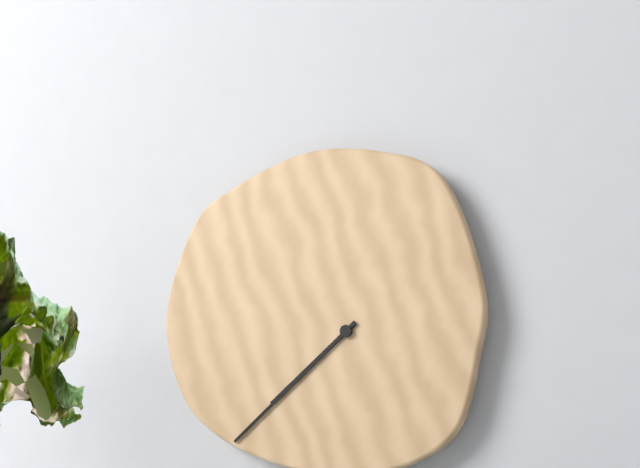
7:38
